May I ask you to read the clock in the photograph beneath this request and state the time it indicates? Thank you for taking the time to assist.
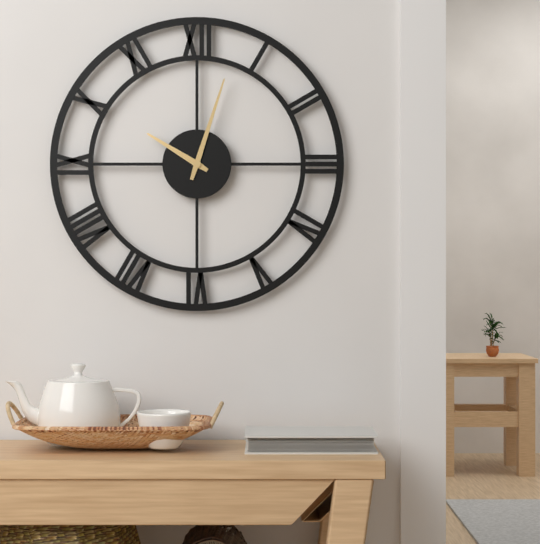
10:03
